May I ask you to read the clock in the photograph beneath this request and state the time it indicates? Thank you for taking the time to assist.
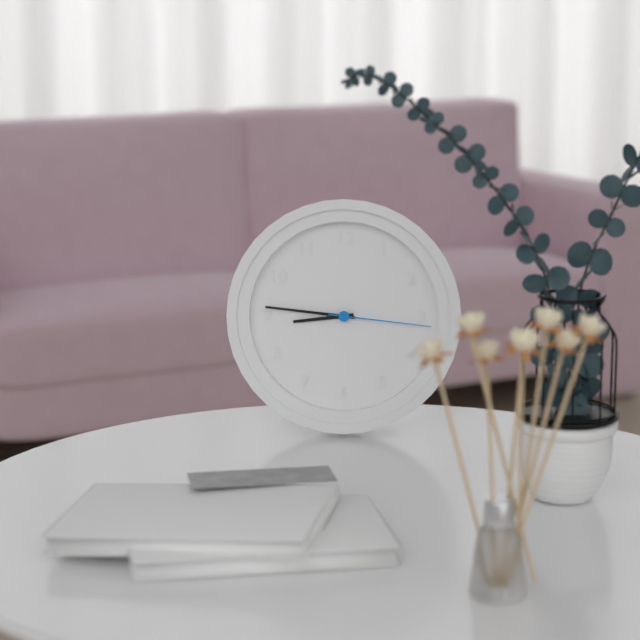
8:46:16
